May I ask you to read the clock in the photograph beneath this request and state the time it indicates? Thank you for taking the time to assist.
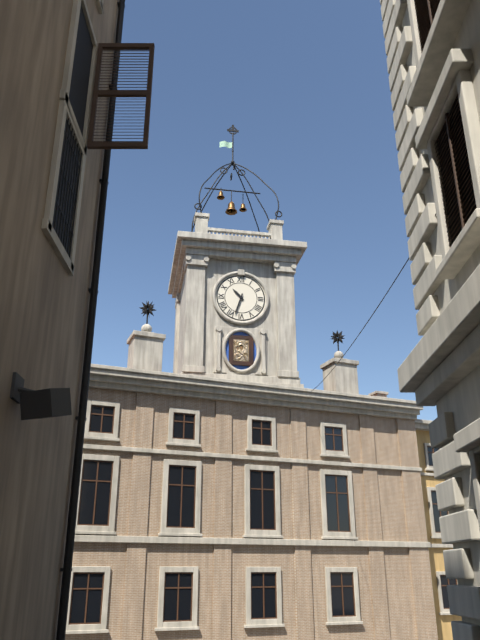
10:33
